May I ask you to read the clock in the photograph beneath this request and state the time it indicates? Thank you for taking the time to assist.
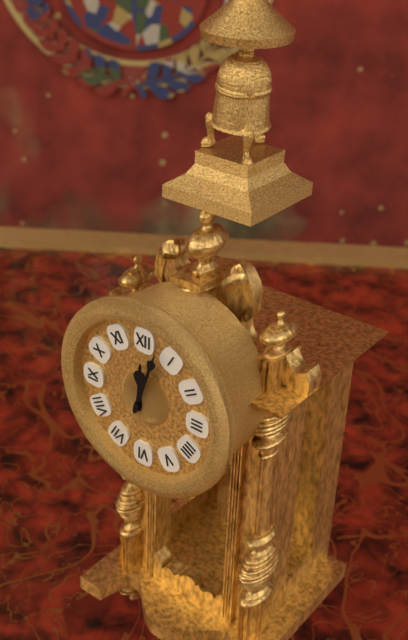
12:03
